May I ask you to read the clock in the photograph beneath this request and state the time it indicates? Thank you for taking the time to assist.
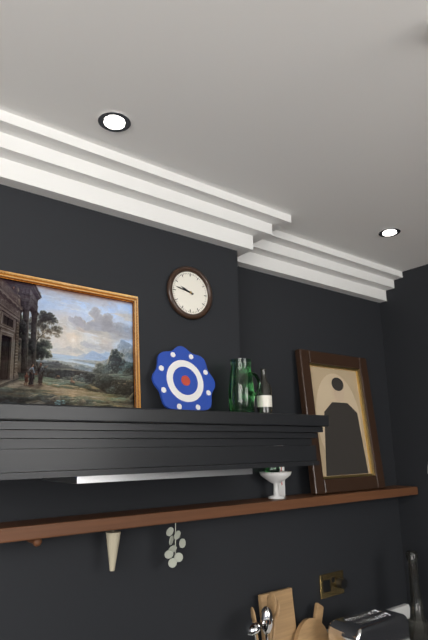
9:47
